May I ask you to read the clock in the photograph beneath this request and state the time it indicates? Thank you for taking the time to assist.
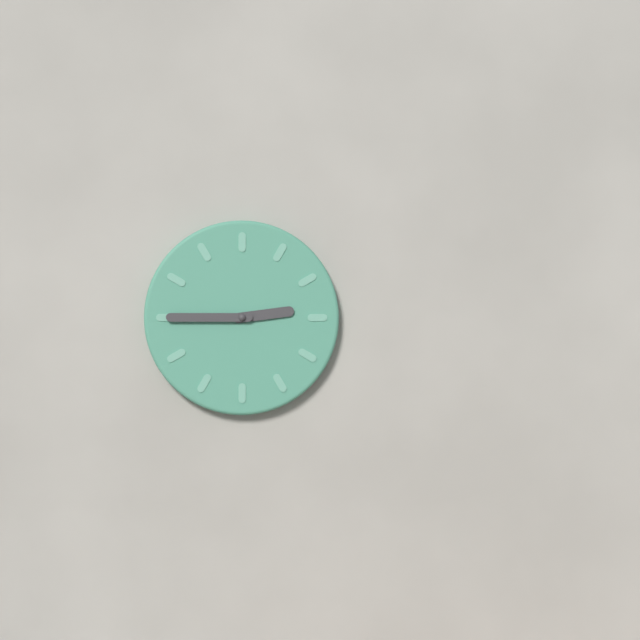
2:45
